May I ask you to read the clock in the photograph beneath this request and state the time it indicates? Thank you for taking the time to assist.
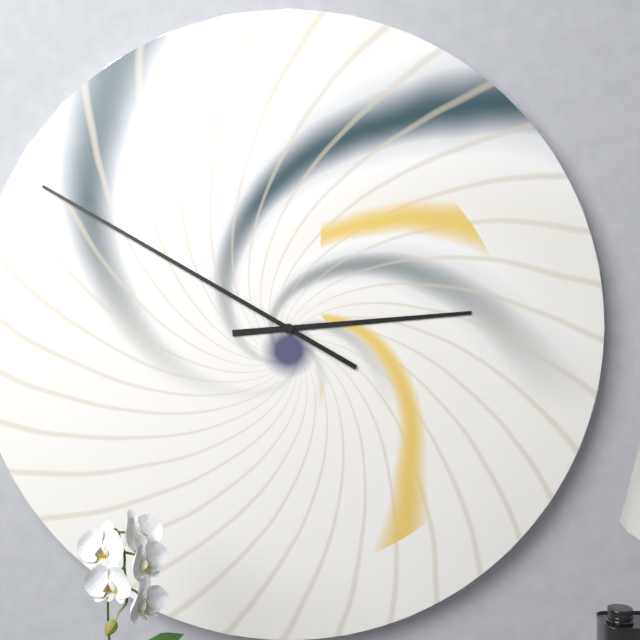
2:50
